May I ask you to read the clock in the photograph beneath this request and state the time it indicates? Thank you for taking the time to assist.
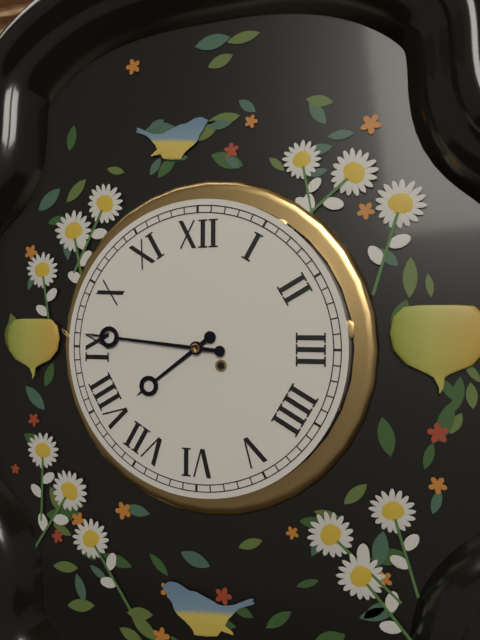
7:46
